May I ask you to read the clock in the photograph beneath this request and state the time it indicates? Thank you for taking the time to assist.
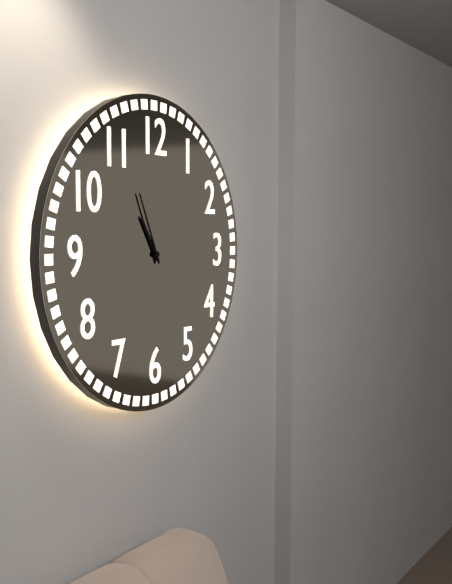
10:56
